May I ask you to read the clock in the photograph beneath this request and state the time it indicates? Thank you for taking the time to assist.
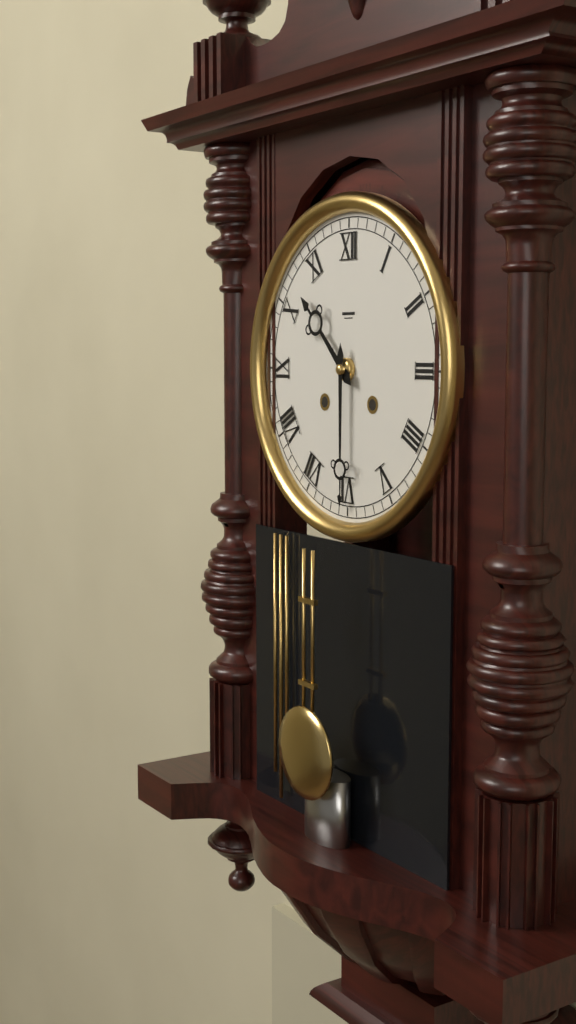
10:30
